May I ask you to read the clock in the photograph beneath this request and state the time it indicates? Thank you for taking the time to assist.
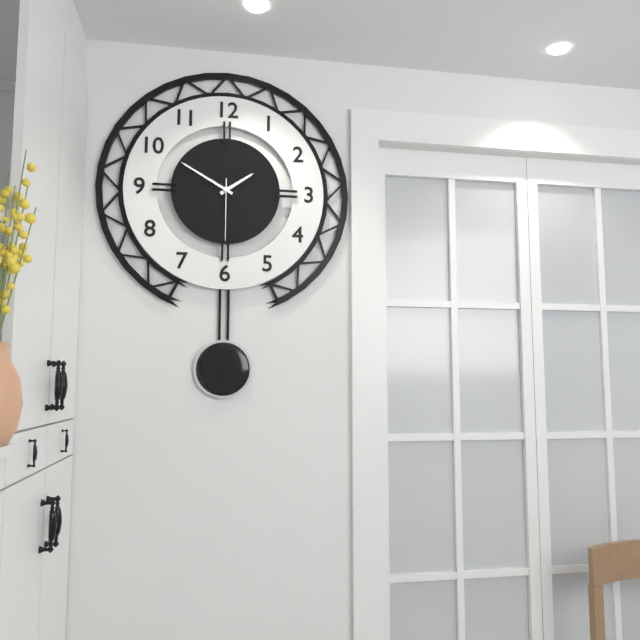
1:50:30
